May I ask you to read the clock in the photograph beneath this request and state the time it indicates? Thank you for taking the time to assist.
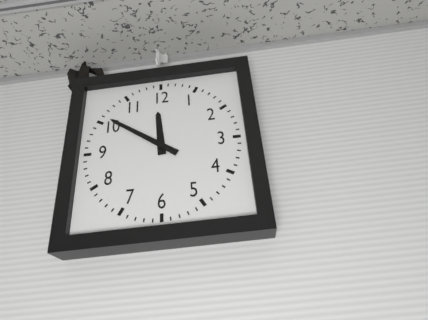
11:51
